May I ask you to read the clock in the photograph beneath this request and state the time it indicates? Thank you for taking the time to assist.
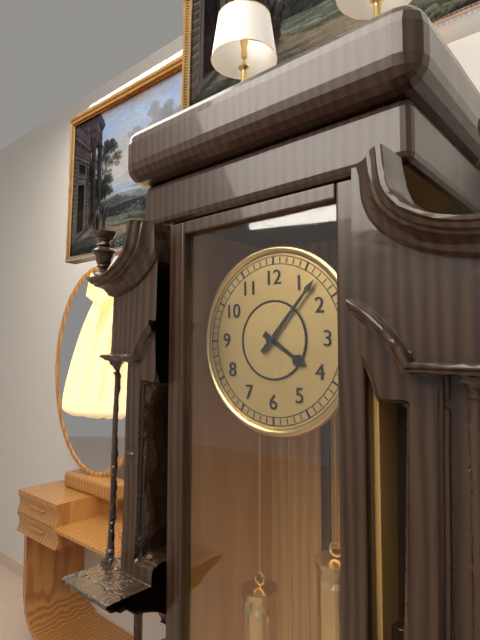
4:07
